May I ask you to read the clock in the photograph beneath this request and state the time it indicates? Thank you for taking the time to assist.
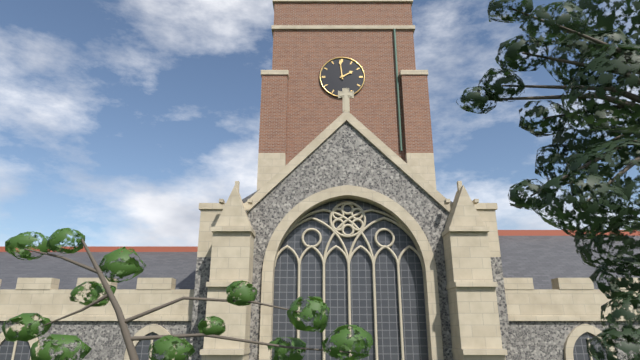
1:59
